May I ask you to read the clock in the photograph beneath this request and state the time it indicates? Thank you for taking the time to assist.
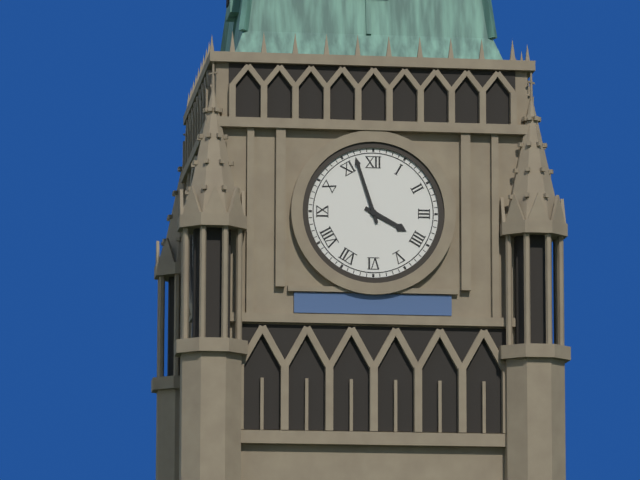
3:57
